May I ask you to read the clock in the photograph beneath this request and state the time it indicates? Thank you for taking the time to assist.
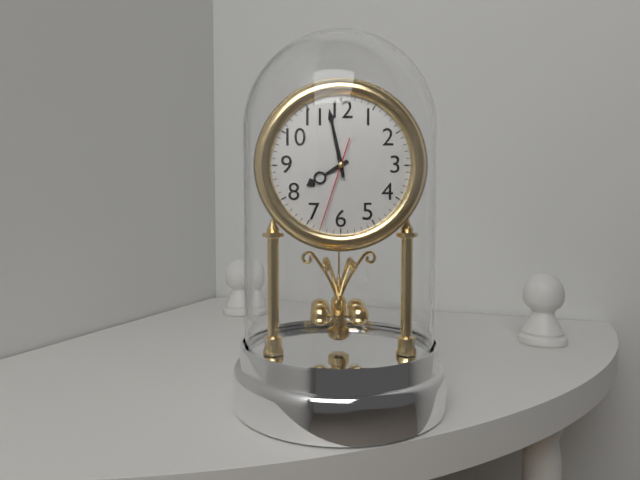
7:58:33
